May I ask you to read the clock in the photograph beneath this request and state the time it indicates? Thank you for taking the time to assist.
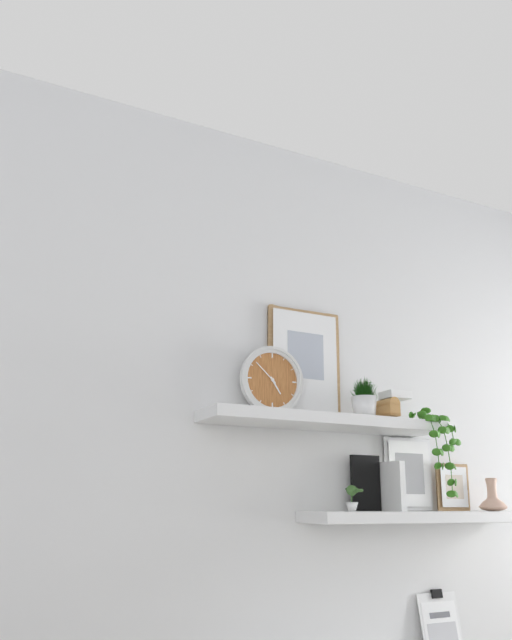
4:52
